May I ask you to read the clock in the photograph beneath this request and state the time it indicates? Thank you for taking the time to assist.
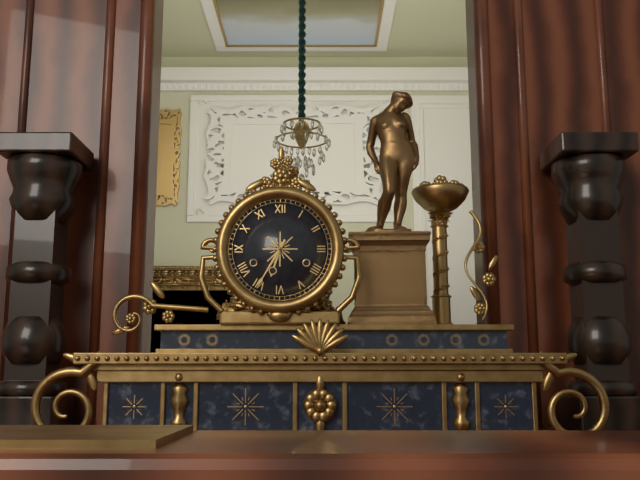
6:35
